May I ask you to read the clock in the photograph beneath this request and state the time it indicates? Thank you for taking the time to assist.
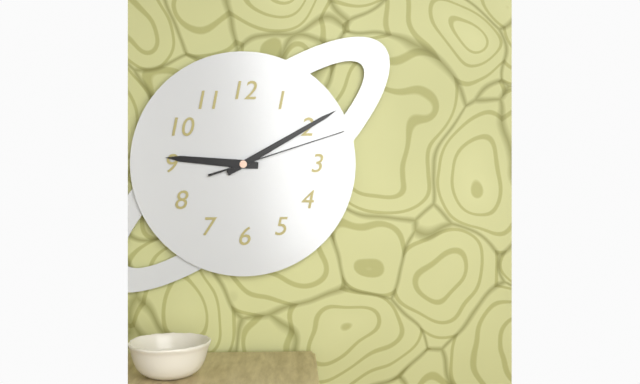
9:10:12
